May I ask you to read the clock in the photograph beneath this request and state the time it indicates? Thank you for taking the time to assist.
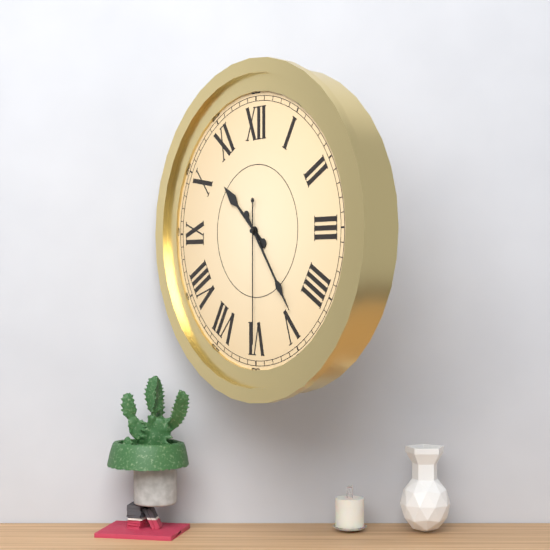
10:24:30
